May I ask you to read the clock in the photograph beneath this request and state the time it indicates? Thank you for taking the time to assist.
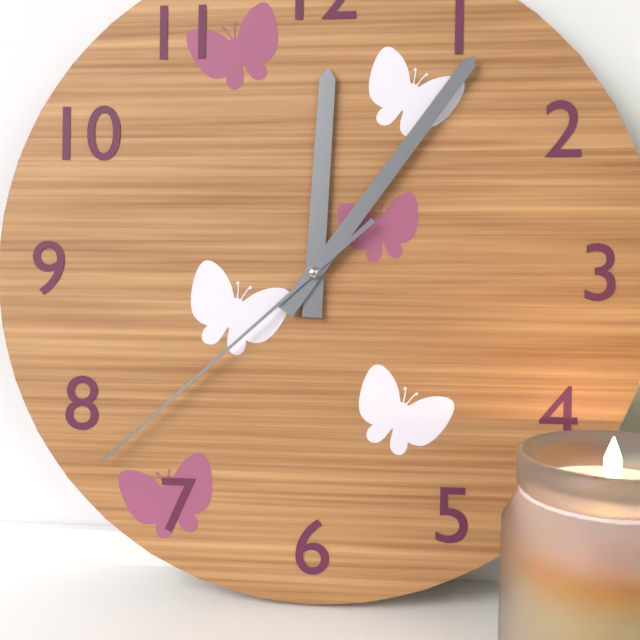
12:06:38
